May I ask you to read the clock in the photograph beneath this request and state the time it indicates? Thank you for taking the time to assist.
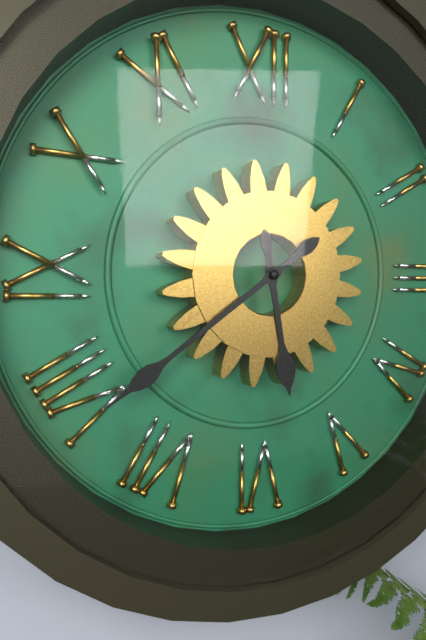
5:39
